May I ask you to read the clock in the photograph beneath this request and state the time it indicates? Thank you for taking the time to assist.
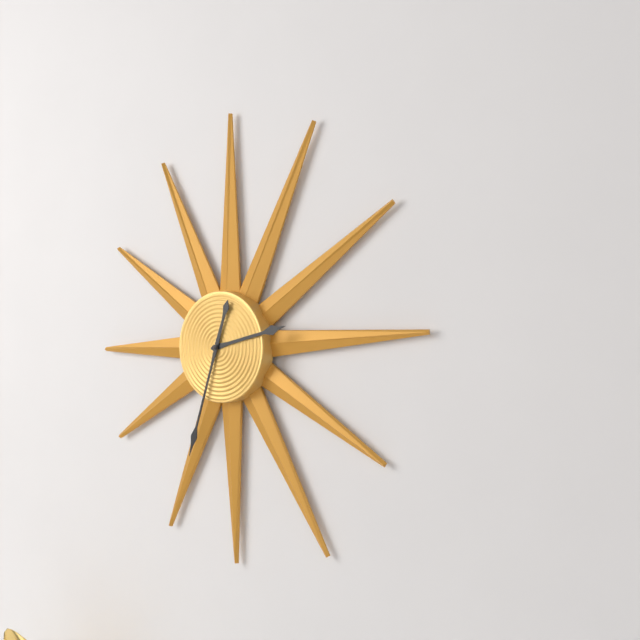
2:33
